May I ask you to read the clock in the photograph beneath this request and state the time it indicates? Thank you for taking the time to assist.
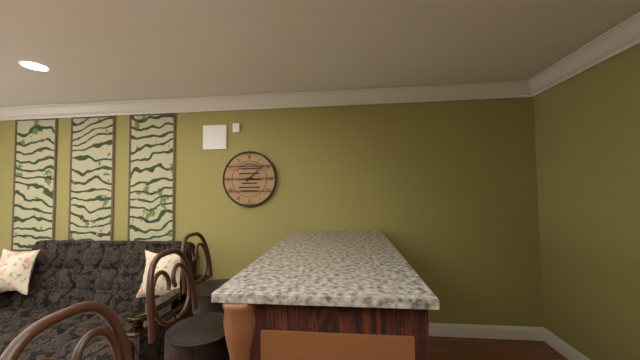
3:08
